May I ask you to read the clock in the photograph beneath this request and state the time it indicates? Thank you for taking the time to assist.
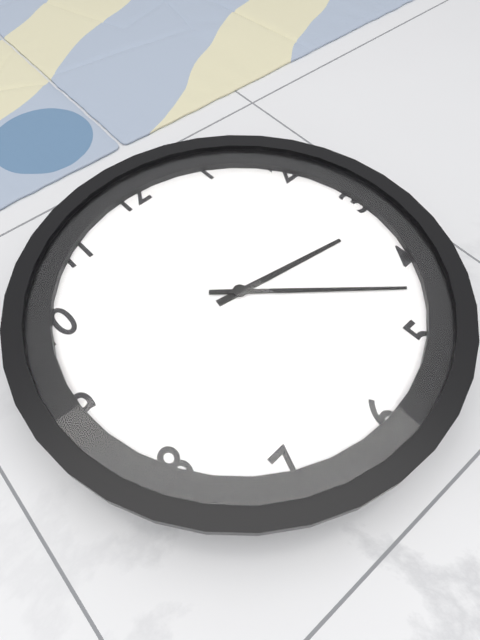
3:22
